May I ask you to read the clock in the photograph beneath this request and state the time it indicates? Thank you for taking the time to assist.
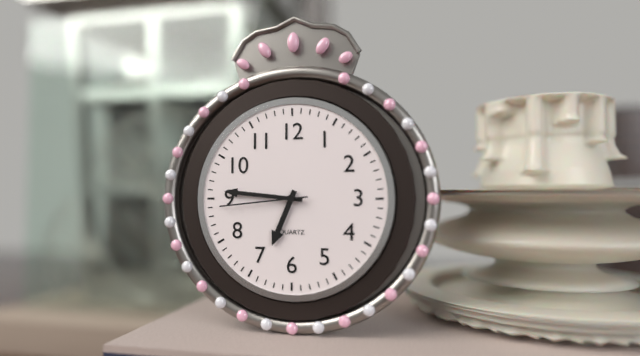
6:46:44
